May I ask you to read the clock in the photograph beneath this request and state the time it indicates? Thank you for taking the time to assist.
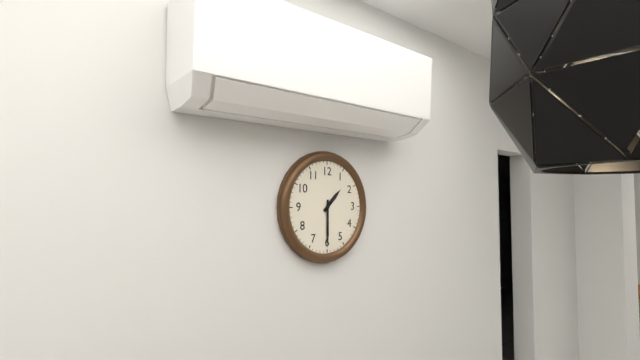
1:30
